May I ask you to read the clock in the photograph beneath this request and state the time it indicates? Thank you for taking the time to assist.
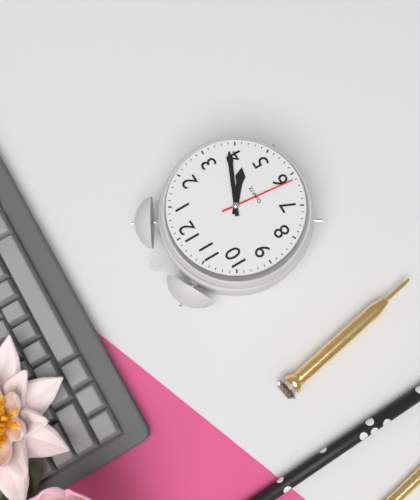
4:19:31
